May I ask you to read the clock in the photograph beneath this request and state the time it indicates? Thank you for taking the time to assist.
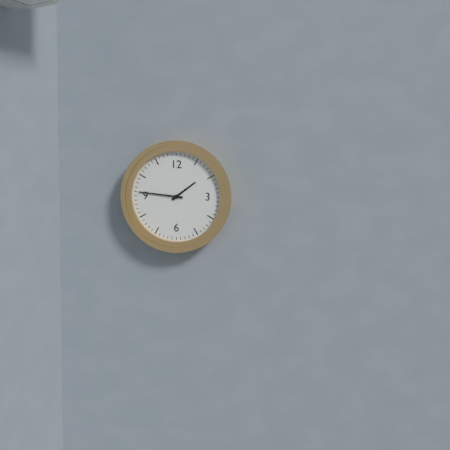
1:46
